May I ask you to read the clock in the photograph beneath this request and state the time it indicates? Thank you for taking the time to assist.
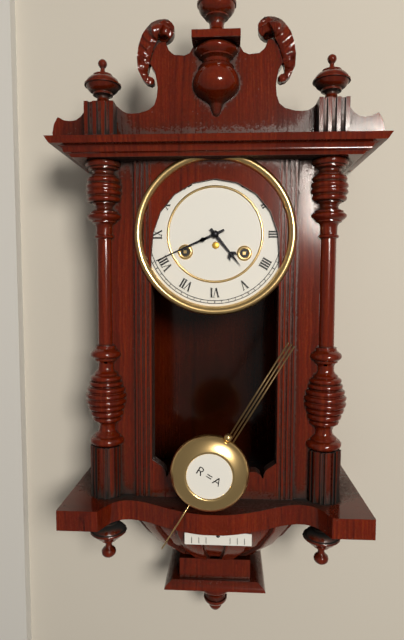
4:41
